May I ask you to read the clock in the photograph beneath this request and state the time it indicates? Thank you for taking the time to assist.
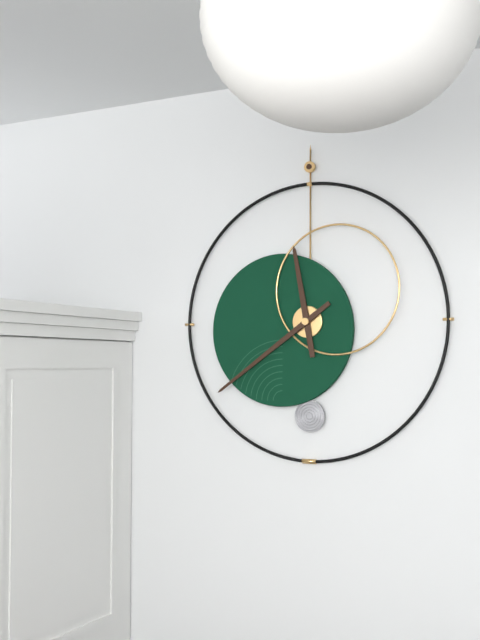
11:39
